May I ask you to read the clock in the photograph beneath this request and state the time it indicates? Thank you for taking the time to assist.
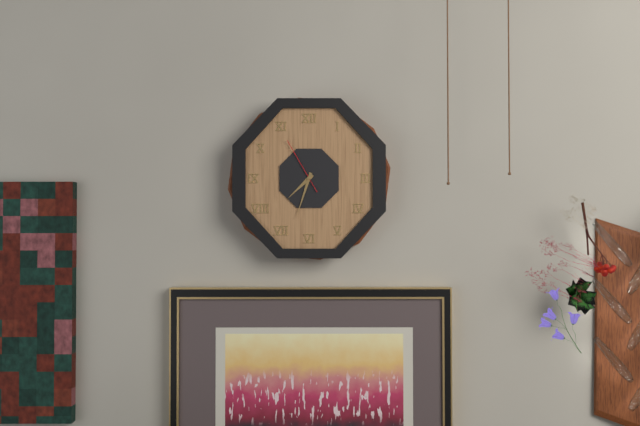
7:33:55
